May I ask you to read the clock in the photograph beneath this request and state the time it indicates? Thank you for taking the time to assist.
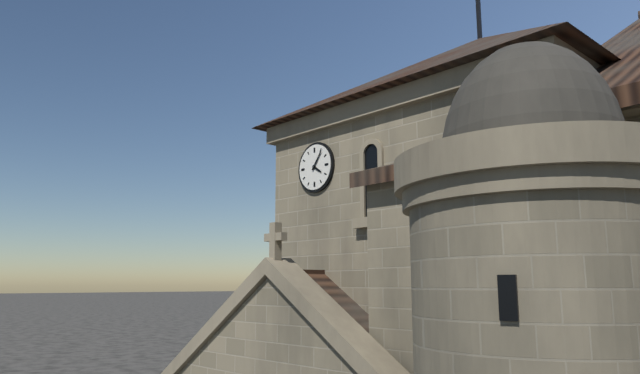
4:06
